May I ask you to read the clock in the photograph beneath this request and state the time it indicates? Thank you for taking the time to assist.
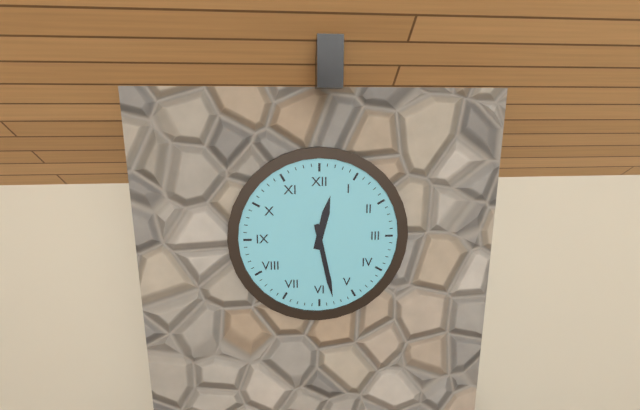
12:28
